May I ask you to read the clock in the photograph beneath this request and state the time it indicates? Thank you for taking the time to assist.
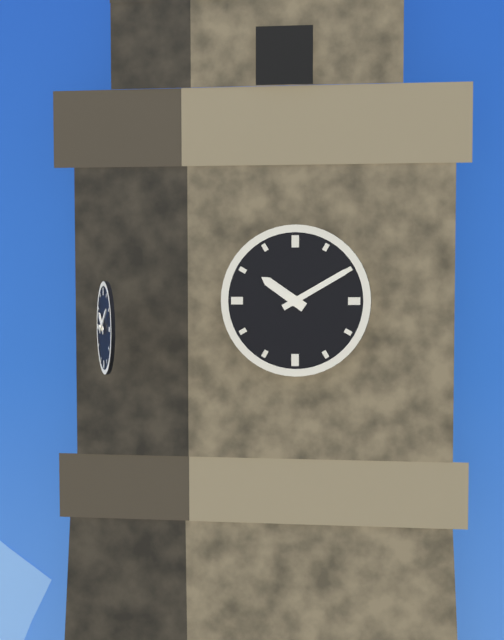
10:10
